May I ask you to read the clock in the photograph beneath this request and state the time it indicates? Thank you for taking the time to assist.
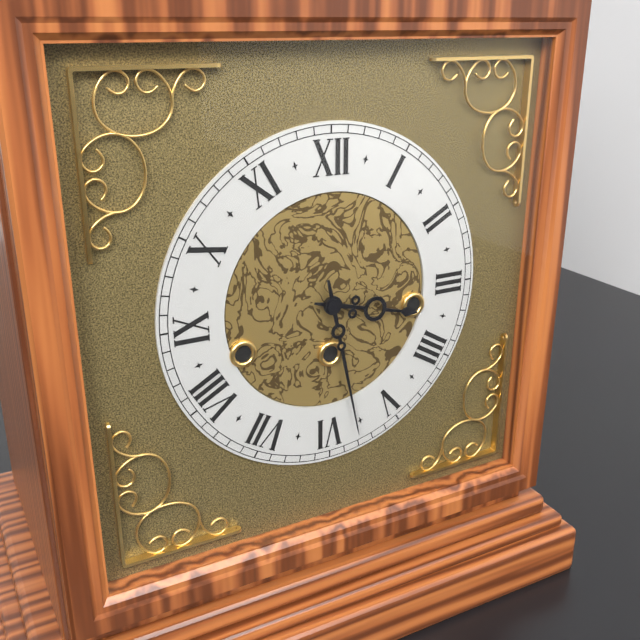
3:28
